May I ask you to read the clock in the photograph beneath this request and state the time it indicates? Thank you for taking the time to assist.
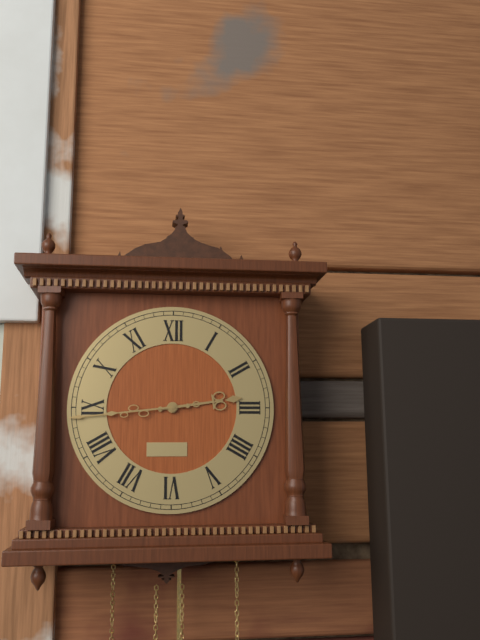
2:44
